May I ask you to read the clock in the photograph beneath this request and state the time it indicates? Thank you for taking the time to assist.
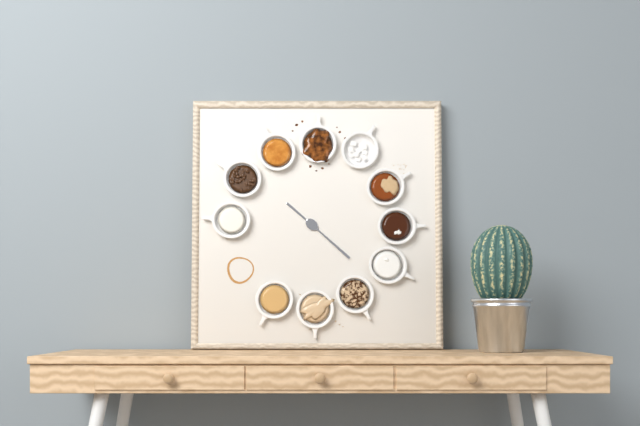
10:22
